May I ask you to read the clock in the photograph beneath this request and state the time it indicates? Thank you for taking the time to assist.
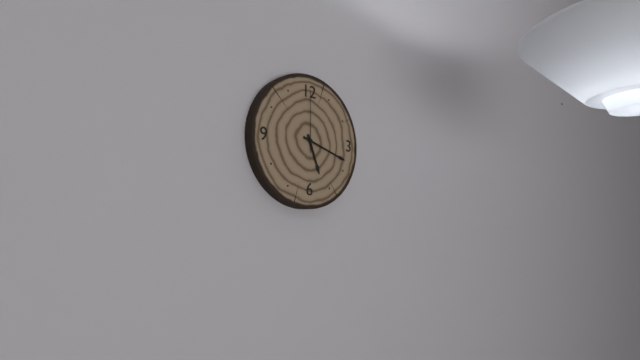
5:18:00
